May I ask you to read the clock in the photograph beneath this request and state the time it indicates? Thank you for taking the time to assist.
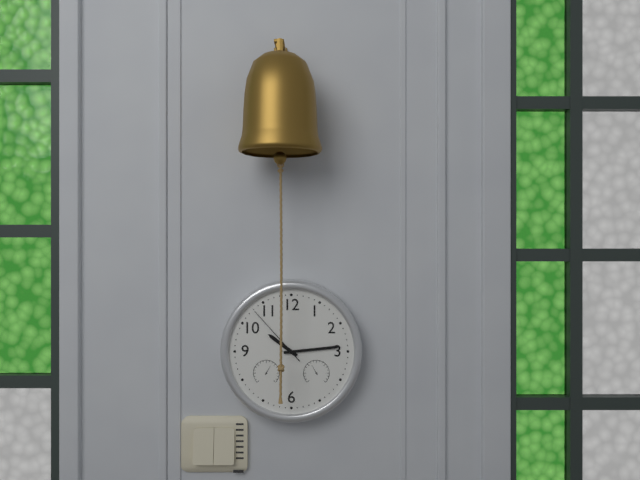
10:14:53
